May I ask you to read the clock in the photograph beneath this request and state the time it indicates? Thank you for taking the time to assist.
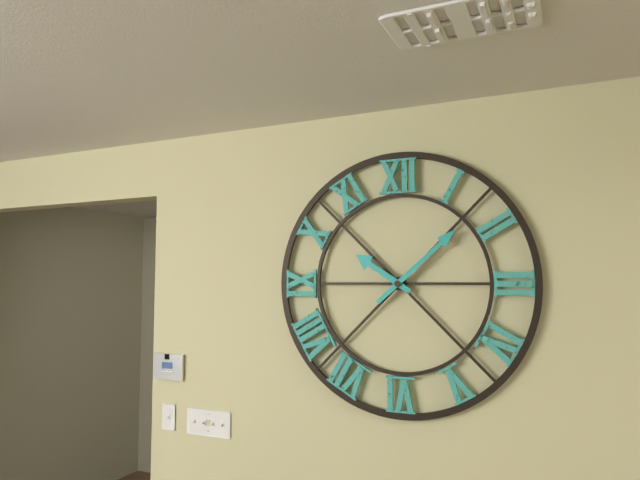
10:08
